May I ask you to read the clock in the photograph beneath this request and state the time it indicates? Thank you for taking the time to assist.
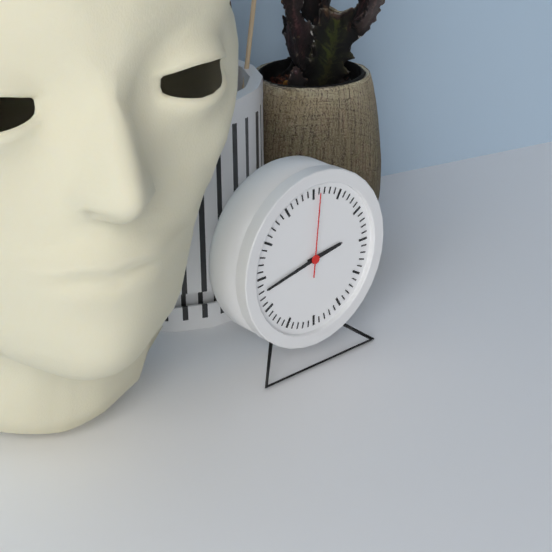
2:43:01
